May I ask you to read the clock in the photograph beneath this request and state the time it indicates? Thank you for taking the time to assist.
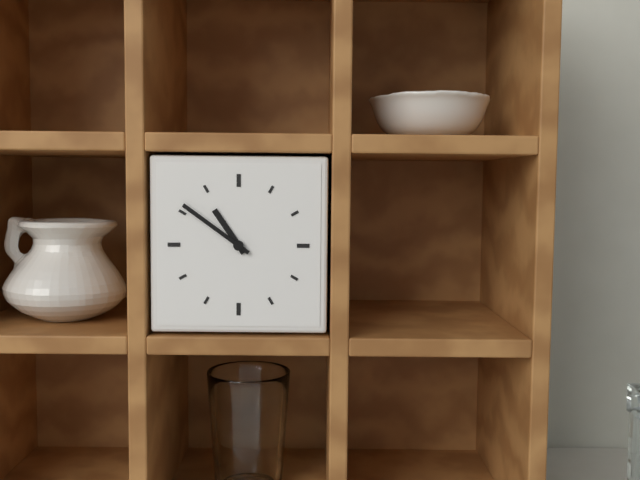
10:51
